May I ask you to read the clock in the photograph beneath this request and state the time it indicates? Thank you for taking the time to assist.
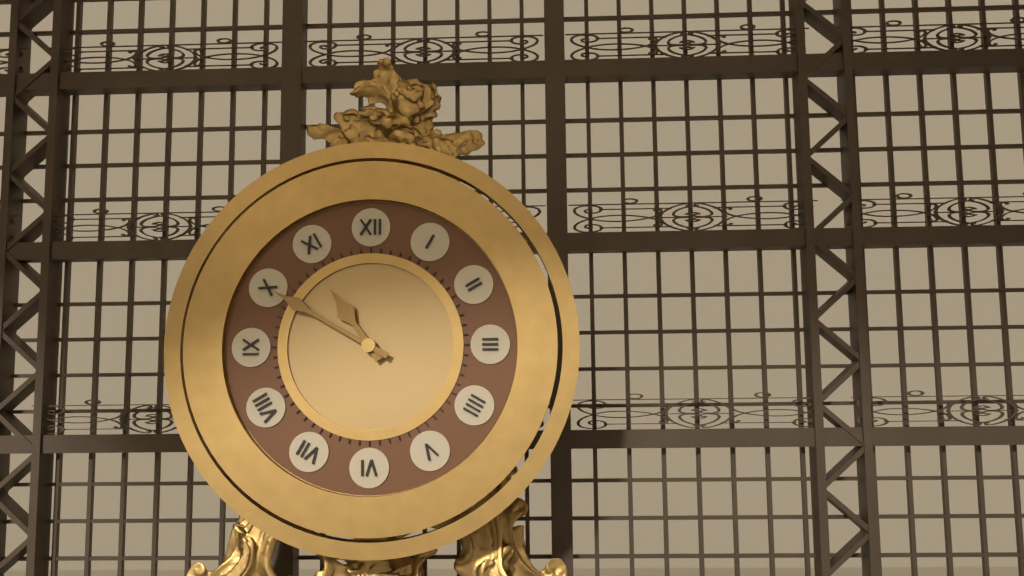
10:50
